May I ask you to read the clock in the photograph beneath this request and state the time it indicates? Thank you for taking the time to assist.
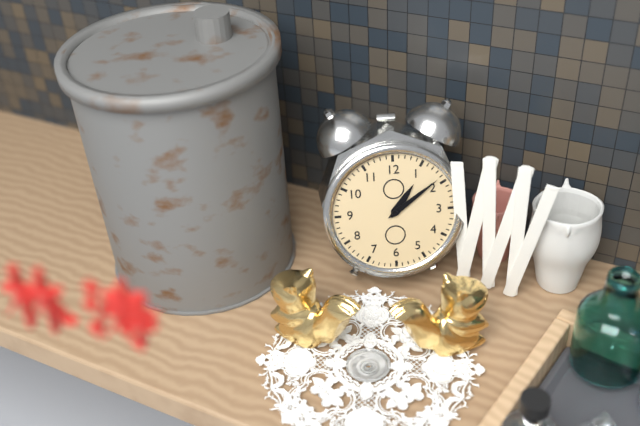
1:09
